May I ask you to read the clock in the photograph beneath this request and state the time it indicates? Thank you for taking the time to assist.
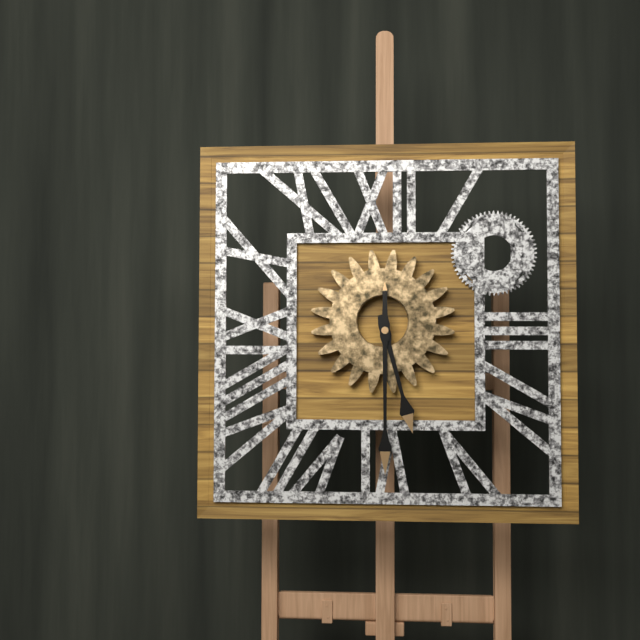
5:30
